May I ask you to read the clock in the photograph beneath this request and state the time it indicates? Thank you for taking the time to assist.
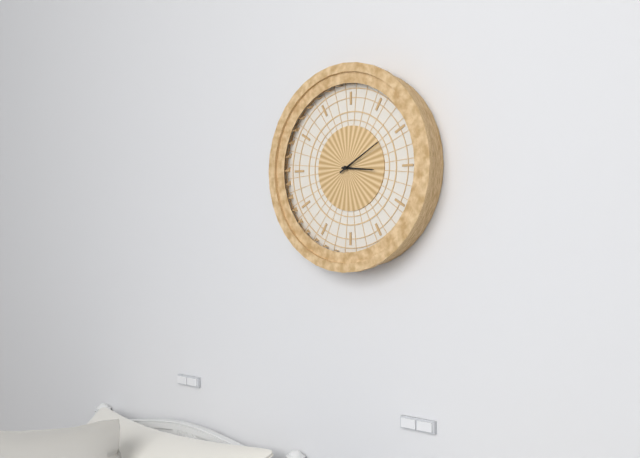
3:10
